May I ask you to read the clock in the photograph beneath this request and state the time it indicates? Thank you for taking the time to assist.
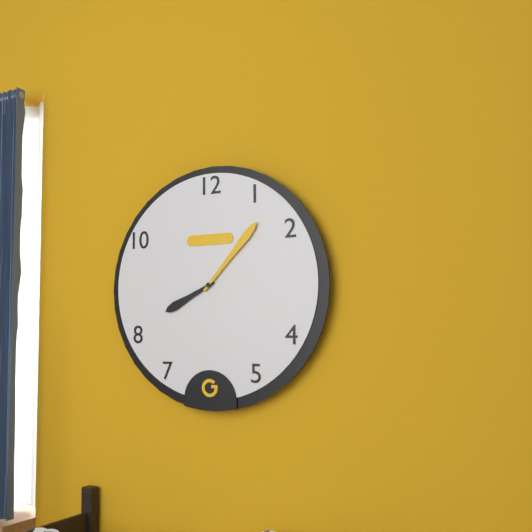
8:07
